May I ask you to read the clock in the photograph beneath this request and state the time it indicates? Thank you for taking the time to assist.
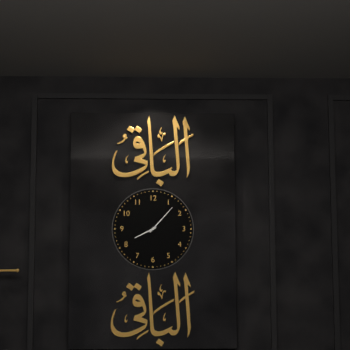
8:07
